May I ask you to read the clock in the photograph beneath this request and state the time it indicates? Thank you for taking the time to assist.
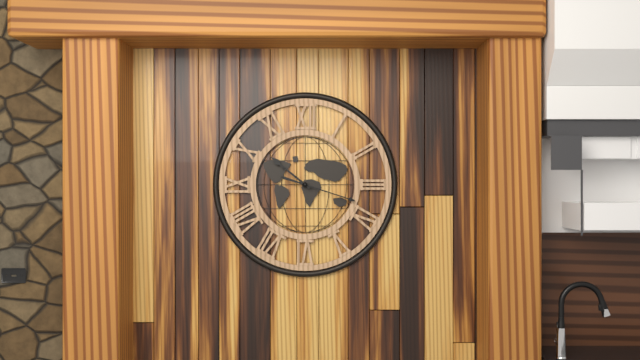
10:18
